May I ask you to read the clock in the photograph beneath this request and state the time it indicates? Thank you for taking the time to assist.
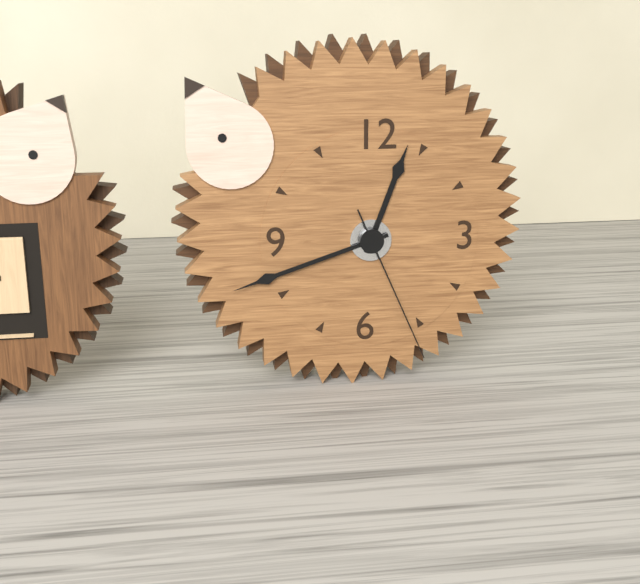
12:42:26
